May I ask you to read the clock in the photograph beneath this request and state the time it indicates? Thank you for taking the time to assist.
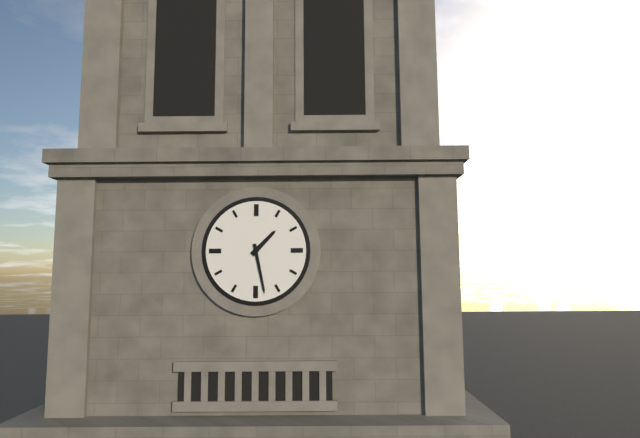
1:28
